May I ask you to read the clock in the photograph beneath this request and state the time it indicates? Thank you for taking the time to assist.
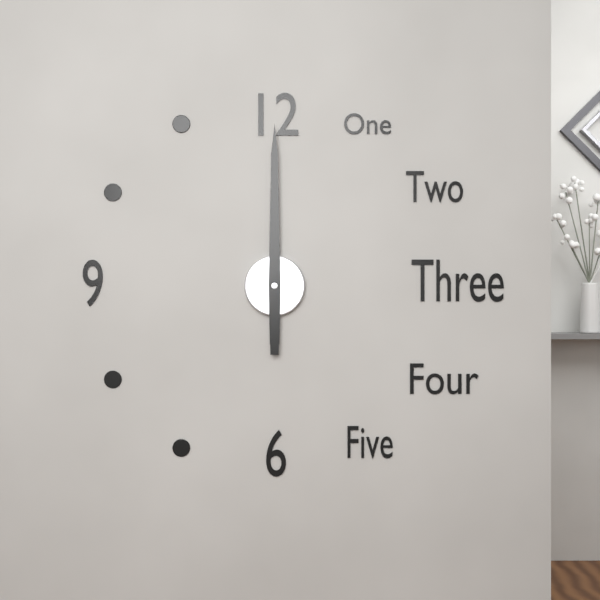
12:00
